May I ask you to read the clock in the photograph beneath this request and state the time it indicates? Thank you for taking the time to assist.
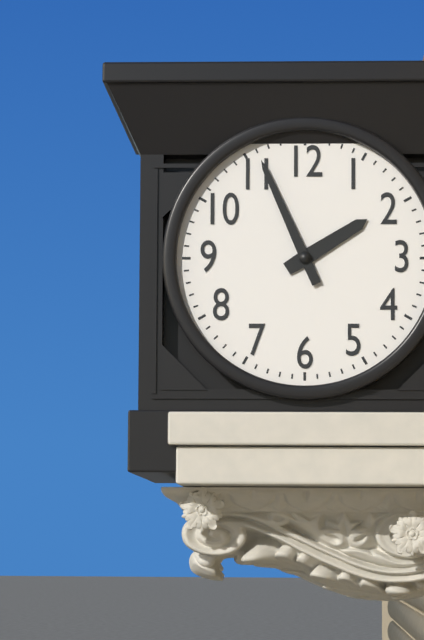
1:56
